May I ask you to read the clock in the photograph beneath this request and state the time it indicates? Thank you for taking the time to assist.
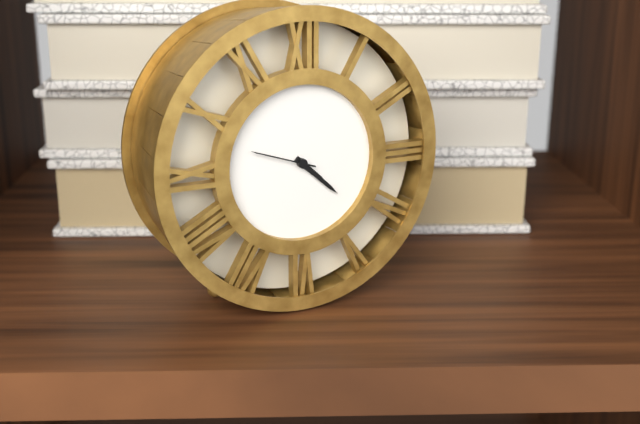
4:22:48
